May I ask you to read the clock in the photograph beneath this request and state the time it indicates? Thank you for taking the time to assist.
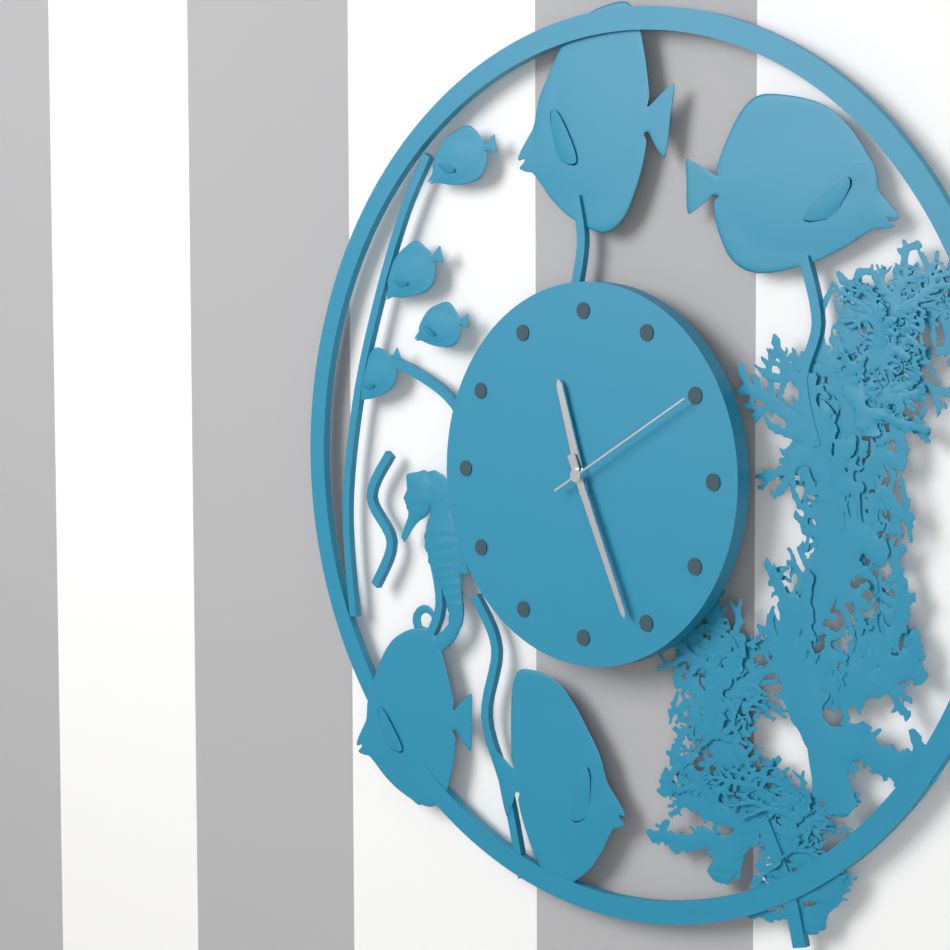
11:26:10
